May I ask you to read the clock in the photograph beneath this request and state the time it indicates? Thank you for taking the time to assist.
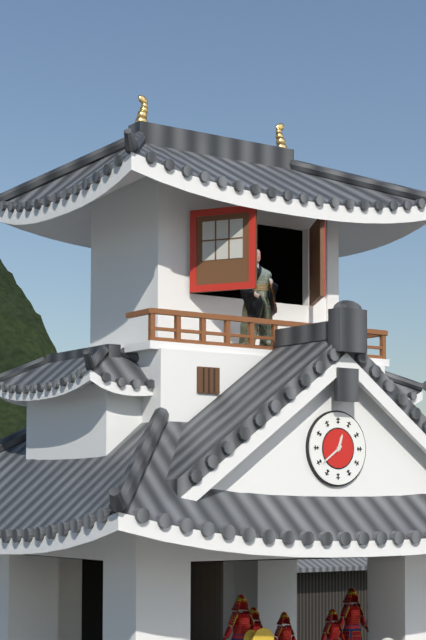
12:39
